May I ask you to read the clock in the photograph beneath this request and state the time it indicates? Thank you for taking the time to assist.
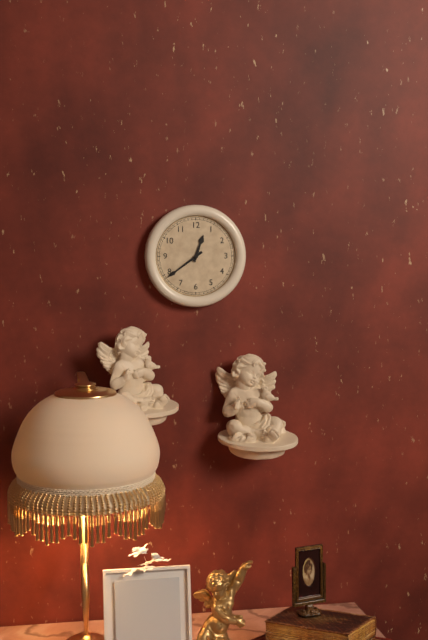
12:39
